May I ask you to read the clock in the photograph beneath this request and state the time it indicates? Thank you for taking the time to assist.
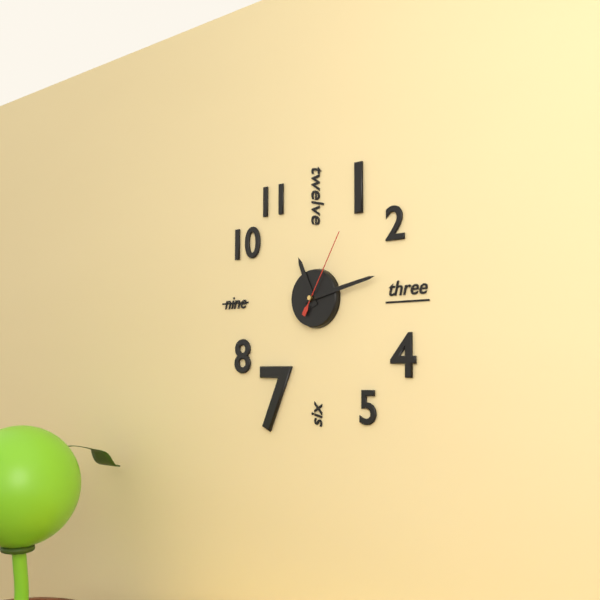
11:13:05
